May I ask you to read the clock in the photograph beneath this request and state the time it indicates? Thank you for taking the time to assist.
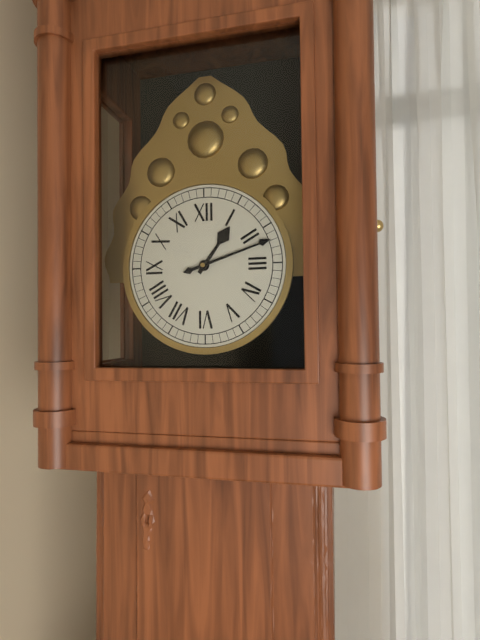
1:12
